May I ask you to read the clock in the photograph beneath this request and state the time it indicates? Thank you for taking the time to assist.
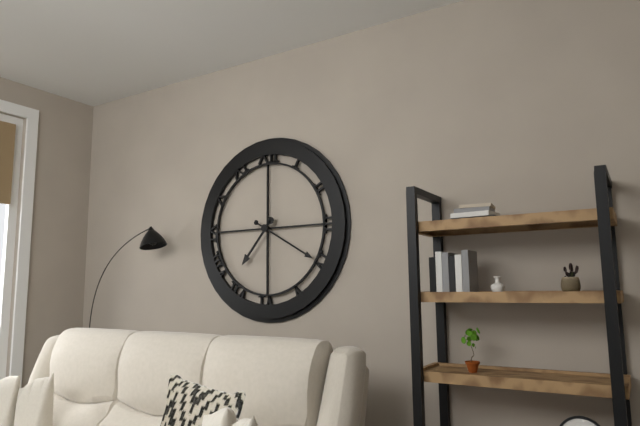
7:20
